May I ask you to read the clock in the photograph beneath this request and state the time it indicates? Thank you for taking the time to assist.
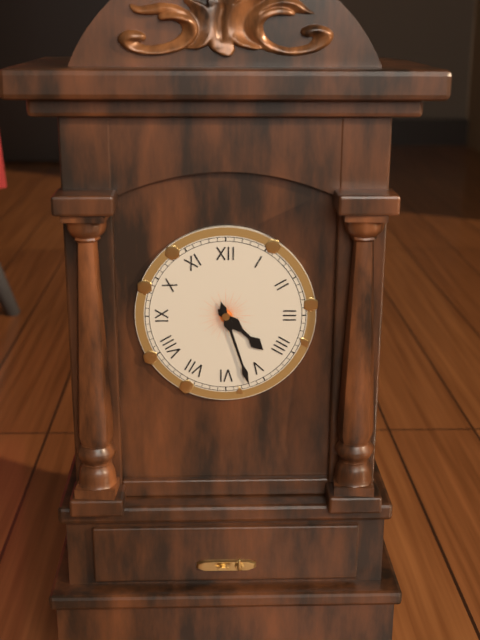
4:27
